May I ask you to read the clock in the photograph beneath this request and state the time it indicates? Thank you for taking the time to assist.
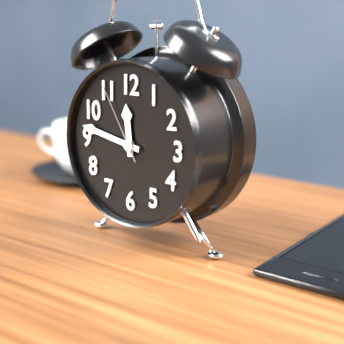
11:47:55
